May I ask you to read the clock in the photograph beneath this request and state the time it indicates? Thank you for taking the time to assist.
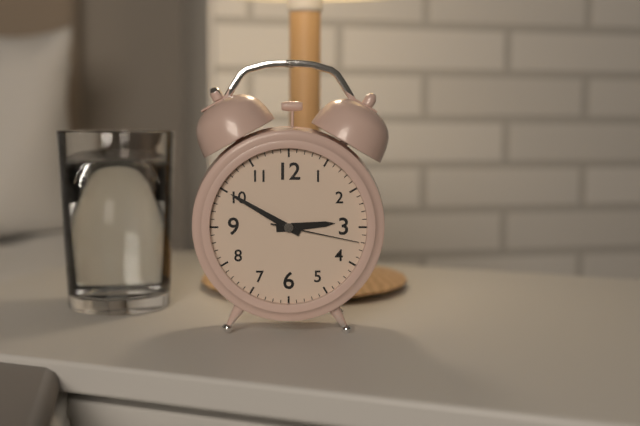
2:50:17
